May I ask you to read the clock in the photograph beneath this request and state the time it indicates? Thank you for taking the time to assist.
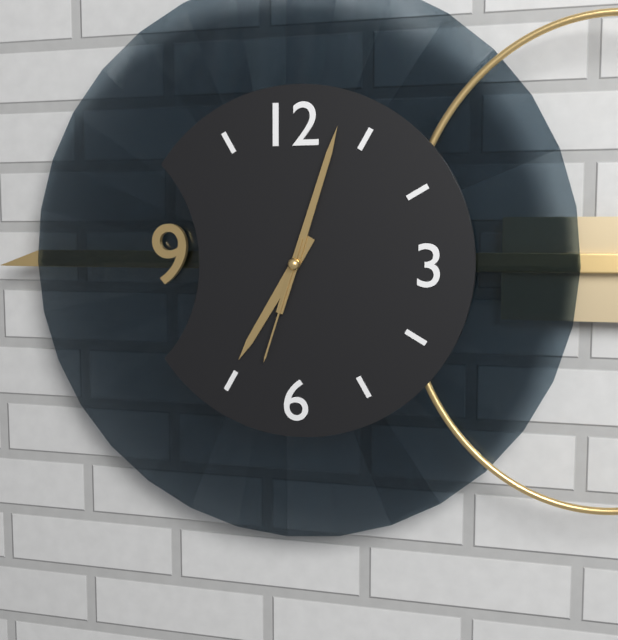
7:03:33
